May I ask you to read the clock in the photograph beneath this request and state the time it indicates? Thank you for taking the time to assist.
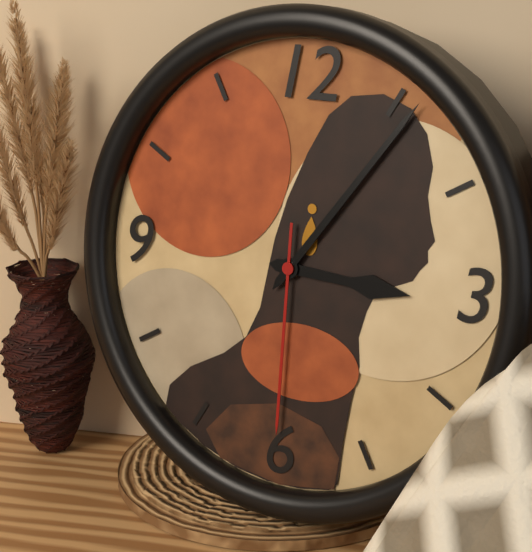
3:06:30
